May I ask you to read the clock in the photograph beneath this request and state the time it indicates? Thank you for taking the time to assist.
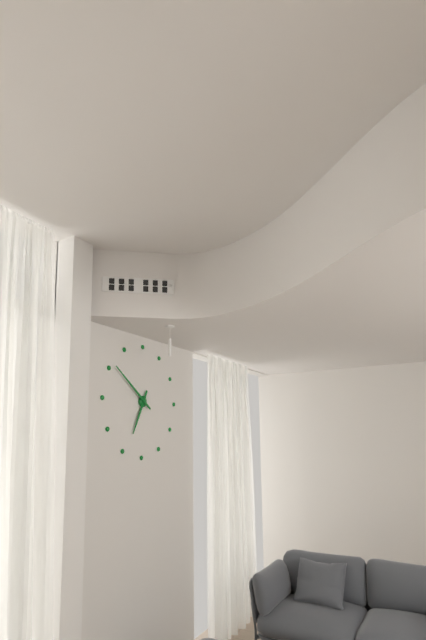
6:51
